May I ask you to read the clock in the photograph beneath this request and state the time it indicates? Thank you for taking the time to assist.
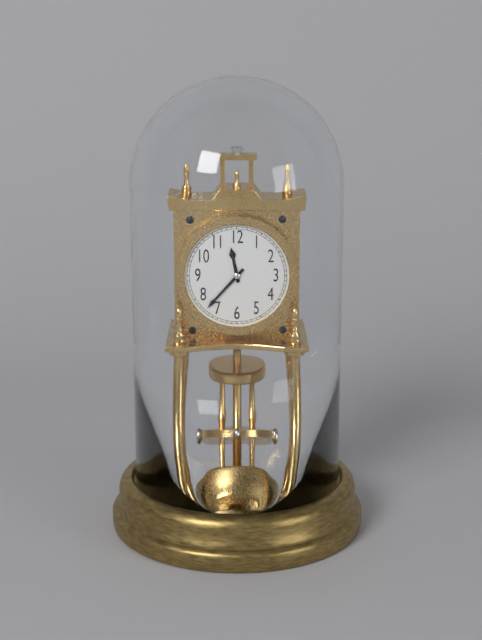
11:37
